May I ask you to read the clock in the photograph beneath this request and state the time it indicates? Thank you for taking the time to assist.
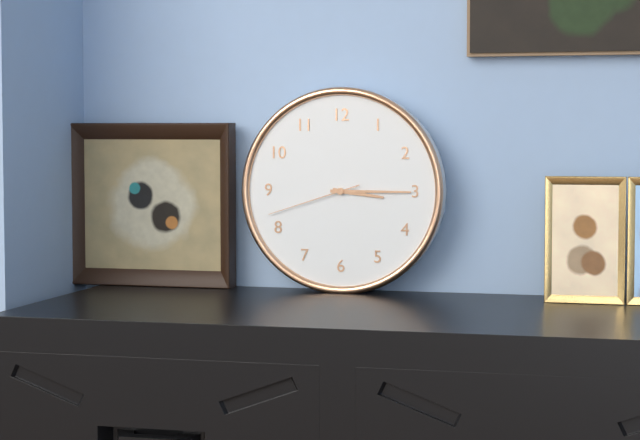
3:15:42
